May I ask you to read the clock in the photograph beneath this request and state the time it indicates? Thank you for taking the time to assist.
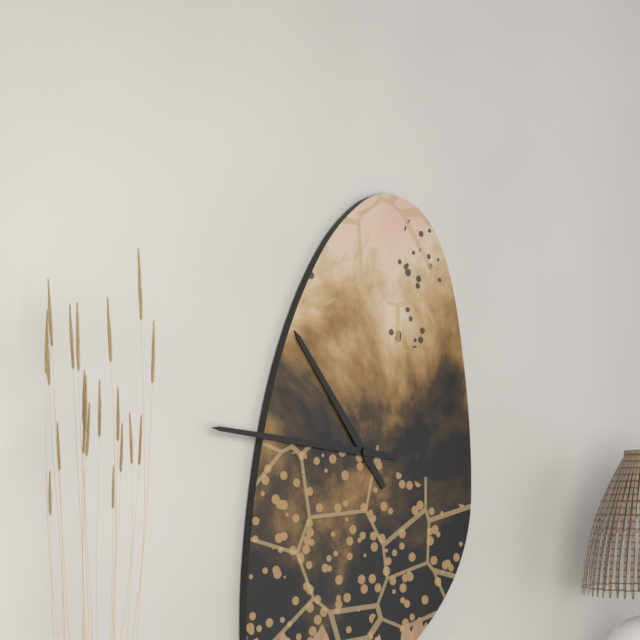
10:46
